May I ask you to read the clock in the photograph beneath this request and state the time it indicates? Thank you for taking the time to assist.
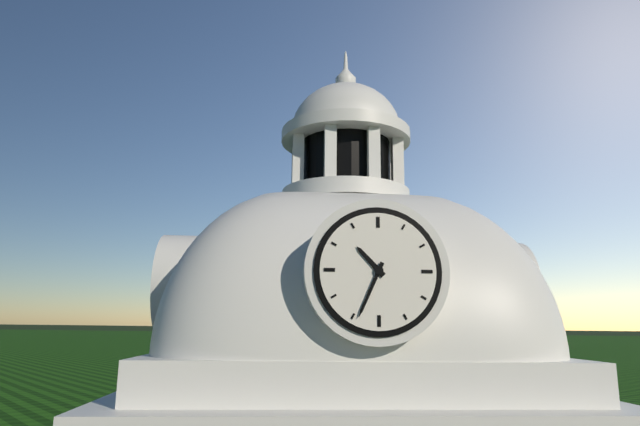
10:34
